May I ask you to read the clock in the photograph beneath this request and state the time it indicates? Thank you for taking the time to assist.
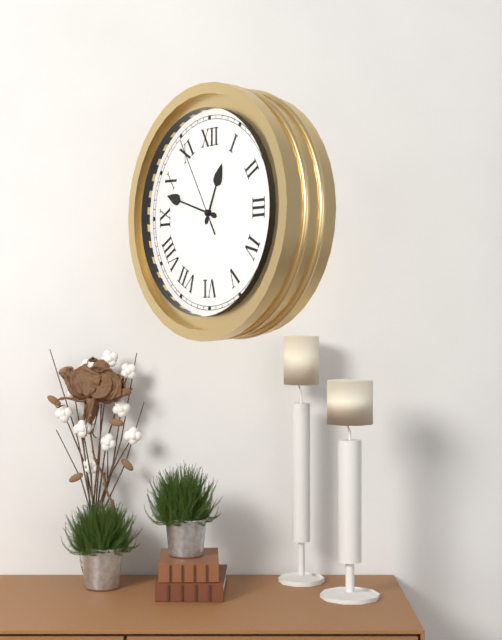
12:48:55
